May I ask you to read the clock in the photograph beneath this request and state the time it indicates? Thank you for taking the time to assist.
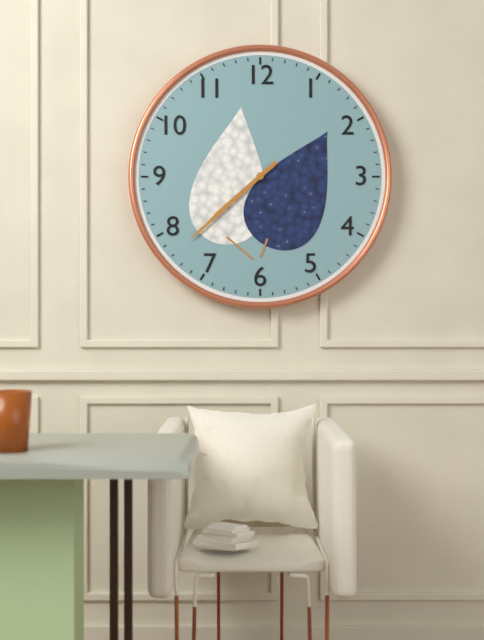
7:38
